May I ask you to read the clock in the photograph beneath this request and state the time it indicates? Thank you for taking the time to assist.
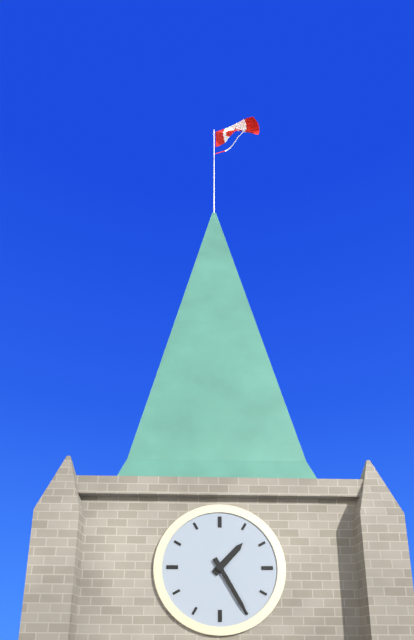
1:25
